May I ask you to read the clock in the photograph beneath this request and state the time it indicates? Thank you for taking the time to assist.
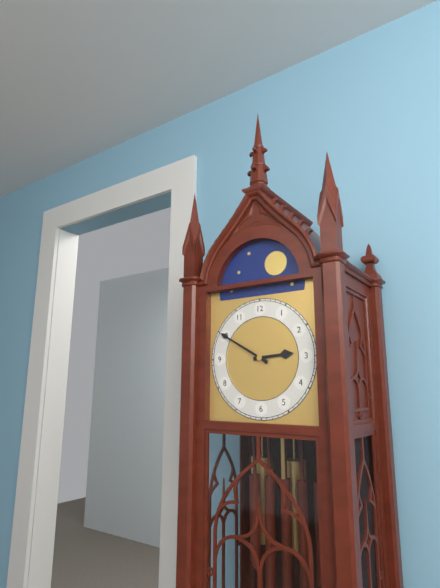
2:50
